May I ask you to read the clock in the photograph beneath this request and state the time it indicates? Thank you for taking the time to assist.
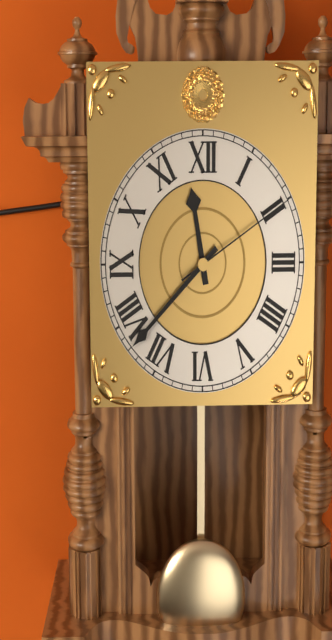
11:38:10
